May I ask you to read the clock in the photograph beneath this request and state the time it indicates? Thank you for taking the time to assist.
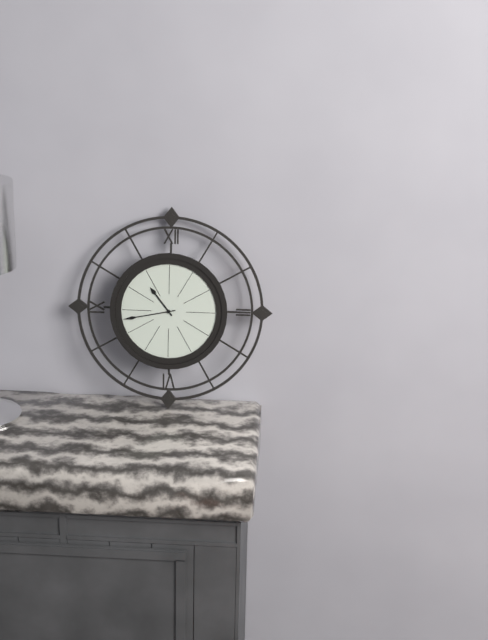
10:43
